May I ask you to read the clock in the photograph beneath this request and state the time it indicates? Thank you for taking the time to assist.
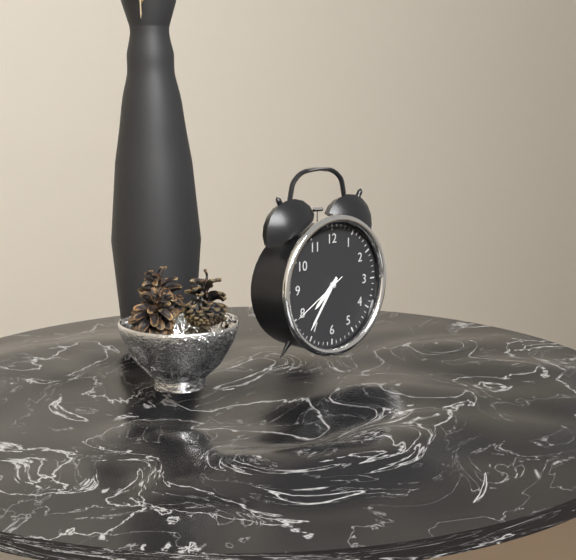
7:36:40
